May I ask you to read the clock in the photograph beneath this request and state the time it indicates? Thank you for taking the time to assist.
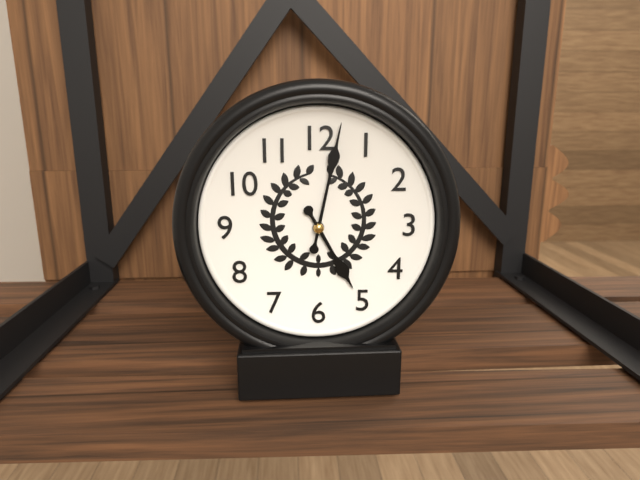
5:02
